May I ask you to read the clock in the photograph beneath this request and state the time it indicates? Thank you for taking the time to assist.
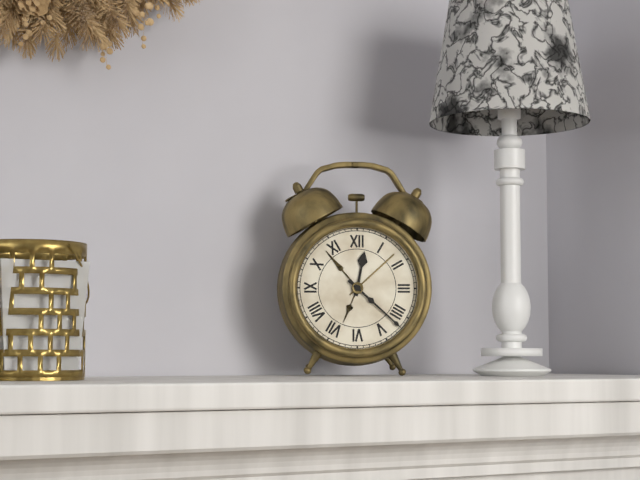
12:22
